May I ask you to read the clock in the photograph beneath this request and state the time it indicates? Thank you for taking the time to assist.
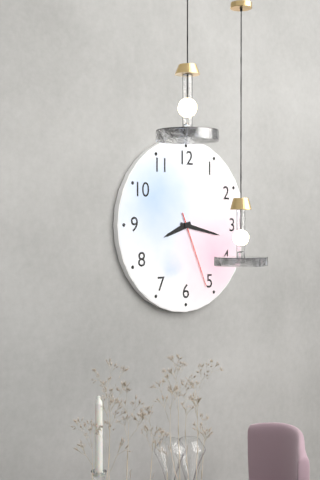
8:17:26
